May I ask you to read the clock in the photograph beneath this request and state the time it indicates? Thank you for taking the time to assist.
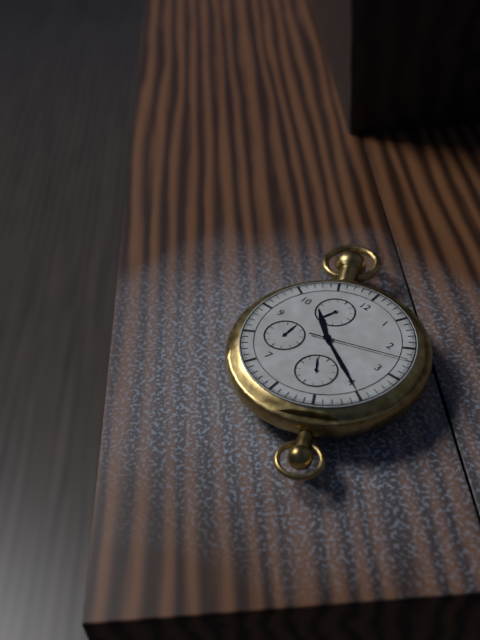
10:20:12
